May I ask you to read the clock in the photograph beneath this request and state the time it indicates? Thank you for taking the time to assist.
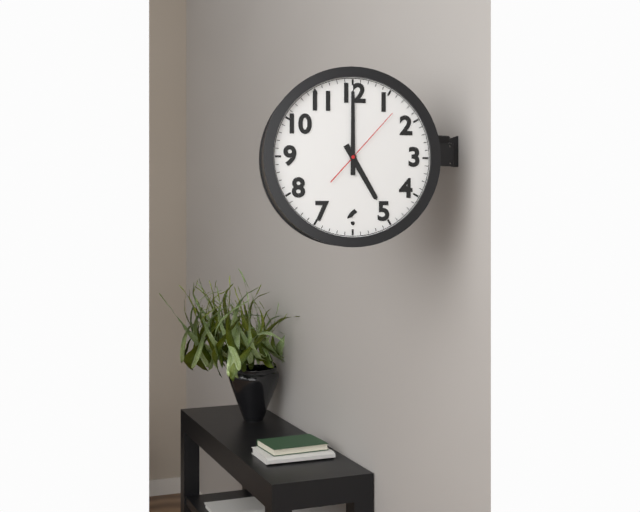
5:00:07
